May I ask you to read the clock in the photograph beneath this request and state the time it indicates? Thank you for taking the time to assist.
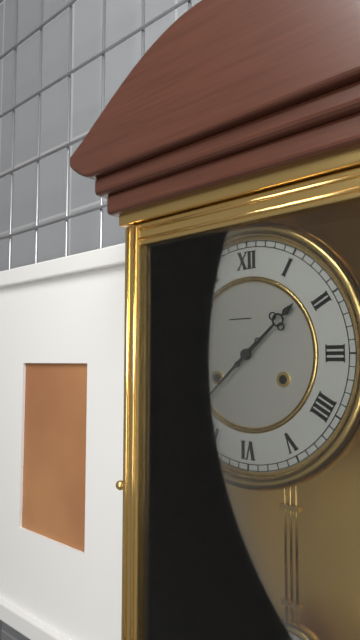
1:38
